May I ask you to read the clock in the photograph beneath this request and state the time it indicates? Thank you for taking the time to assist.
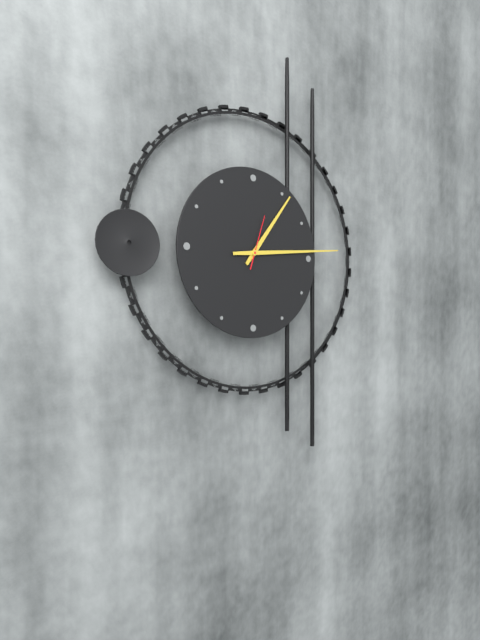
1:14
